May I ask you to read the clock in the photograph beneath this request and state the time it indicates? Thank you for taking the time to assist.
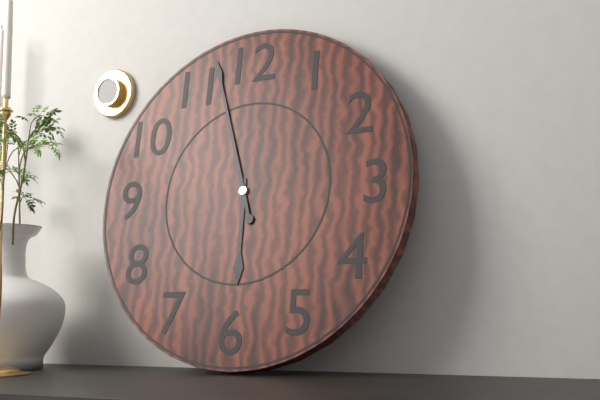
5:57
